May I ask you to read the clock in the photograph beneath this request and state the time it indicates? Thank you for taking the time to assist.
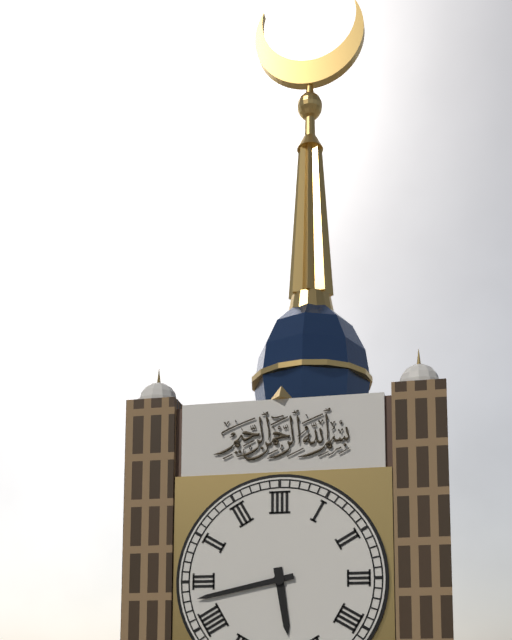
5:43
